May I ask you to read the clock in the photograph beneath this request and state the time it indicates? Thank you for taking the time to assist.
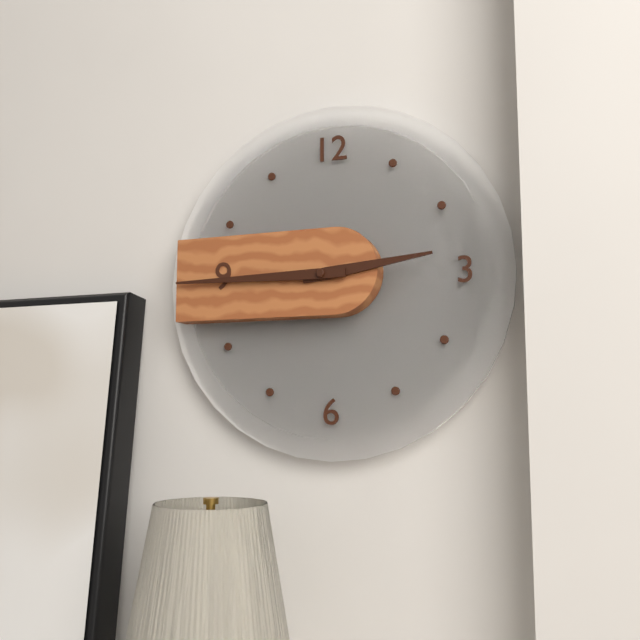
2:45
